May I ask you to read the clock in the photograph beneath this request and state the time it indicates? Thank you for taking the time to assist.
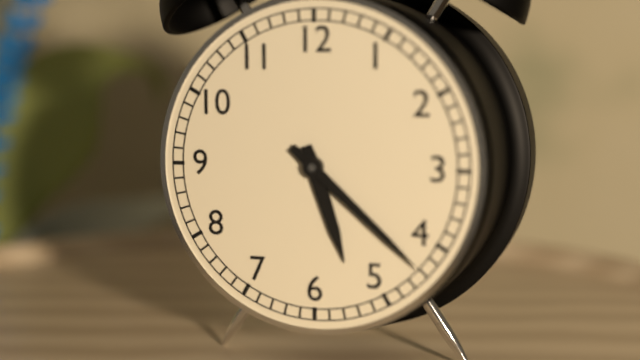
5:22
